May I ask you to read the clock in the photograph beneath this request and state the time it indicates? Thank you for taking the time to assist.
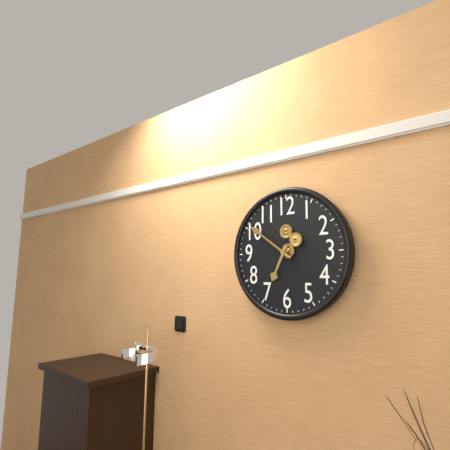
6:51
